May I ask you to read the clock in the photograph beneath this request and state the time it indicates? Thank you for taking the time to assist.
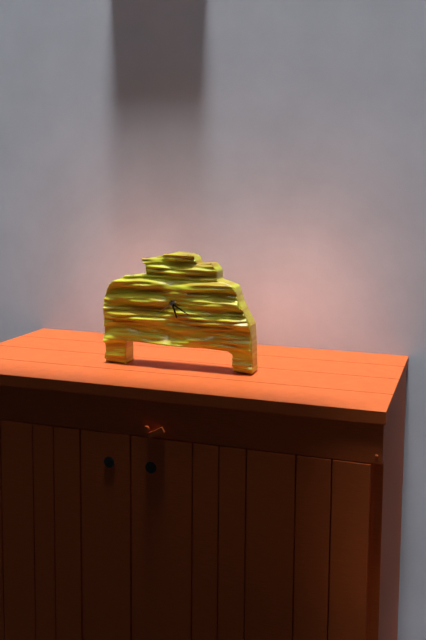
5:20
